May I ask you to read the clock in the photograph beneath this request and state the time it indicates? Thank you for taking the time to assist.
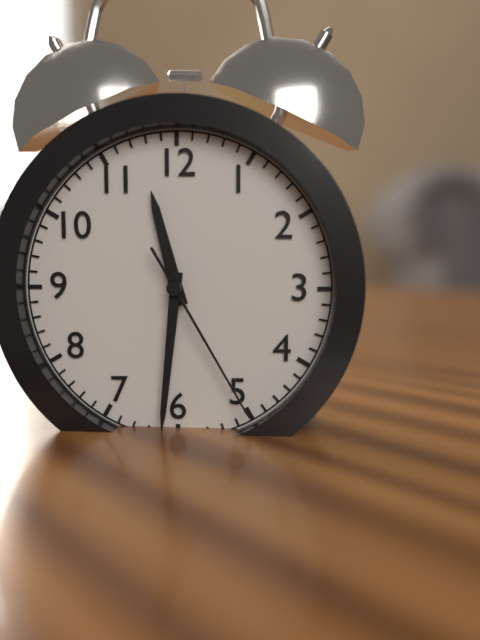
11:31:25
